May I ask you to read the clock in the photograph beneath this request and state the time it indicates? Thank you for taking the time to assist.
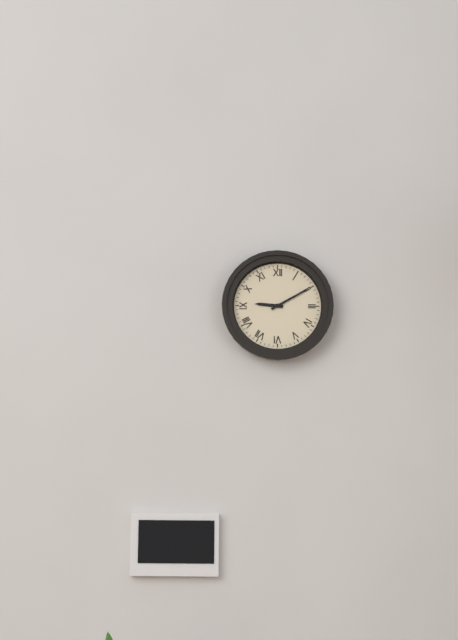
9:10
